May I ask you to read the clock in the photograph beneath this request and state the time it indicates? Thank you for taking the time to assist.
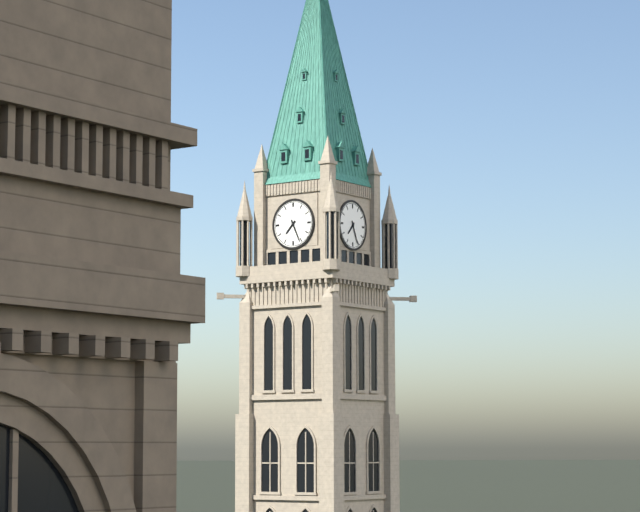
7:26
